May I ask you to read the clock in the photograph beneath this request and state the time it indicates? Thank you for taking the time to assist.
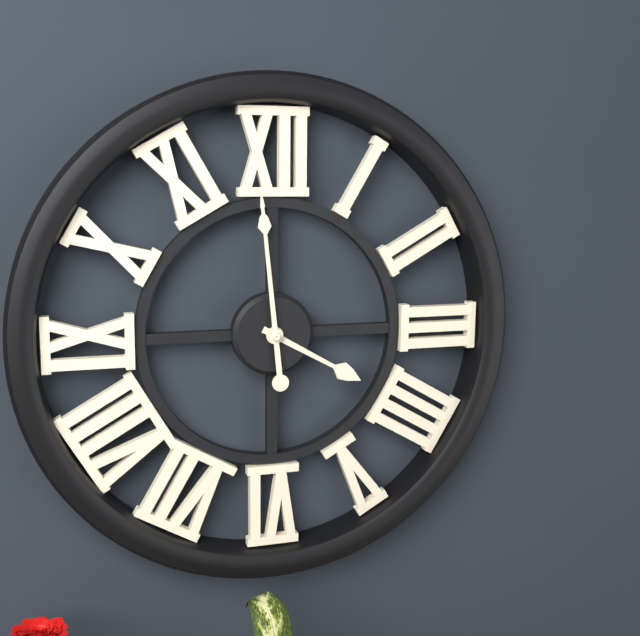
3:59
